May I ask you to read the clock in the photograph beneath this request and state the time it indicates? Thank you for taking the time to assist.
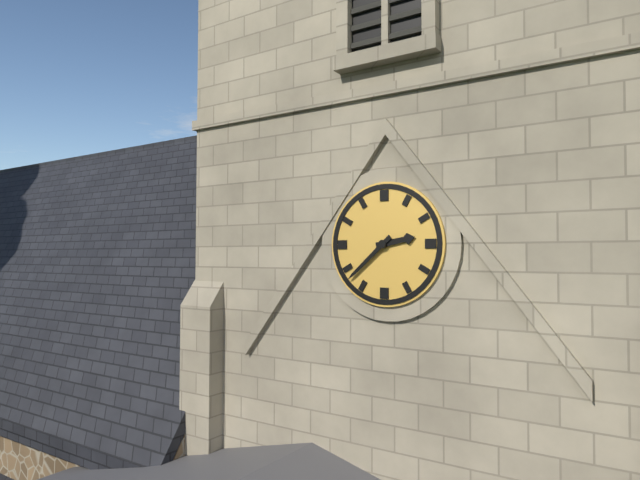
2:38
